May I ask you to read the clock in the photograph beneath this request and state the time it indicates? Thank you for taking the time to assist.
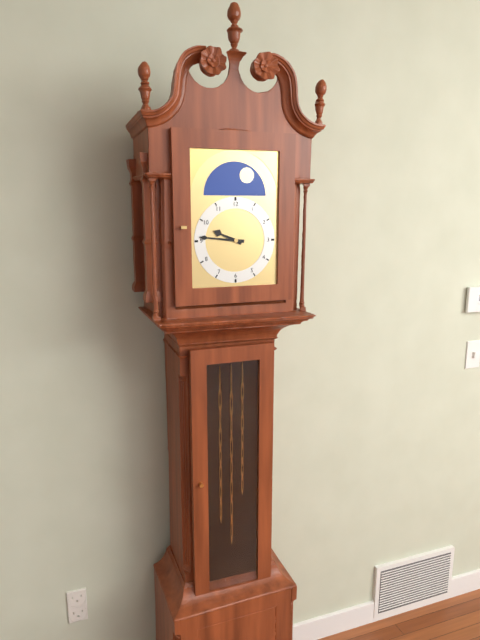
9:46
